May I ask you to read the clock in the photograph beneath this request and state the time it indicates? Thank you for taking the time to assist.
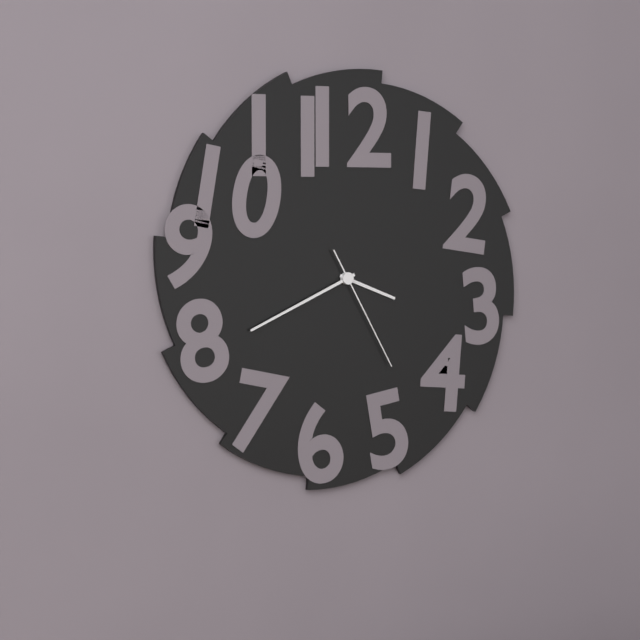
3:41:25
